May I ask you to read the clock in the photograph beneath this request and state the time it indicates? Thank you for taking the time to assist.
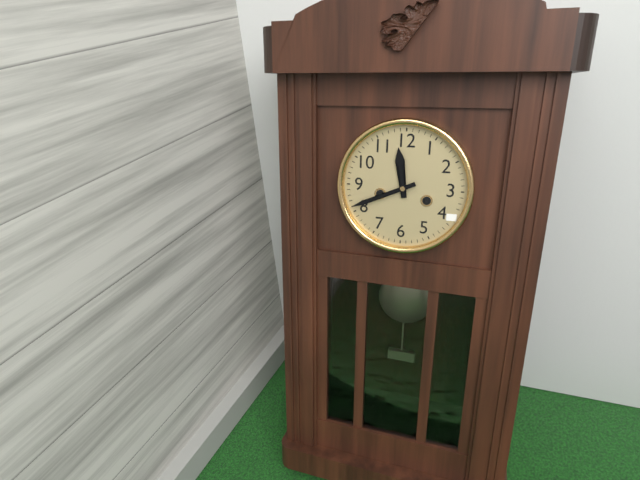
11:41
